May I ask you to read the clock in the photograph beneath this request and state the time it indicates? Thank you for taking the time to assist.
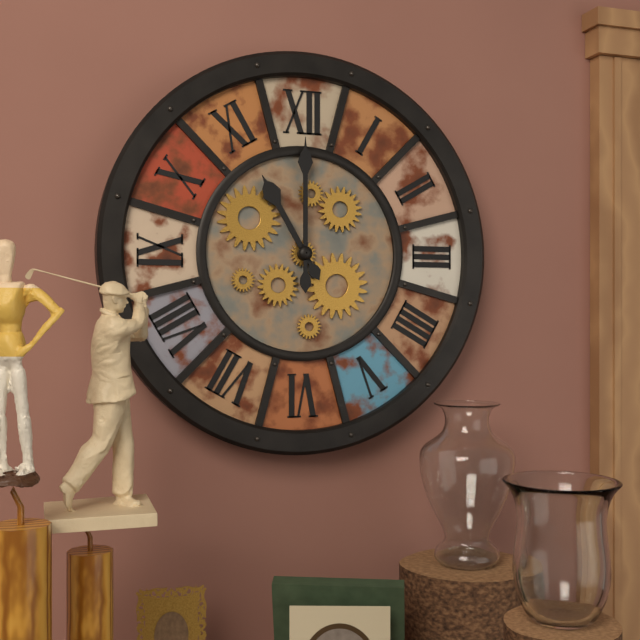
11:00
